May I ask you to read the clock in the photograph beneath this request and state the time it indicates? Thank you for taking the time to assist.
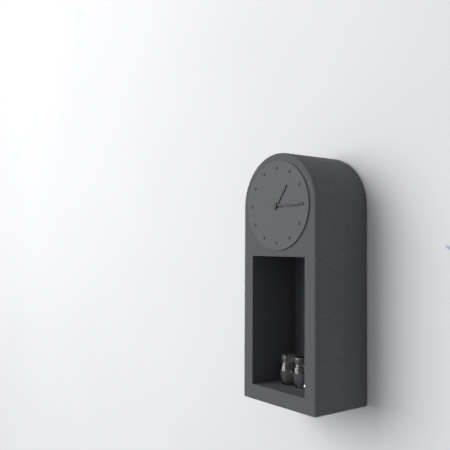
1:15
